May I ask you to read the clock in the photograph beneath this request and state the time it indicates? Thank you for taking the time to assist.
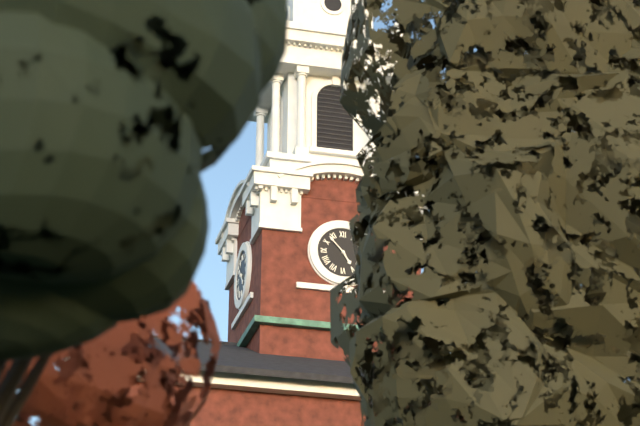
4:53
